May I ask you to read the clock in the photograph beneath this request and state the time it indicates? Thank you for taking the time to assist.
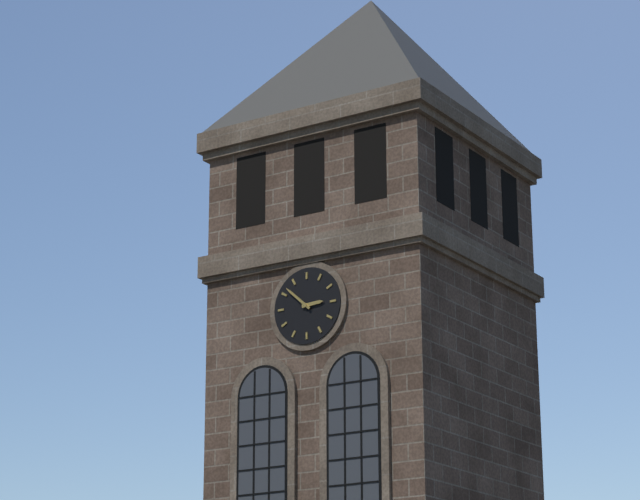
2:52
